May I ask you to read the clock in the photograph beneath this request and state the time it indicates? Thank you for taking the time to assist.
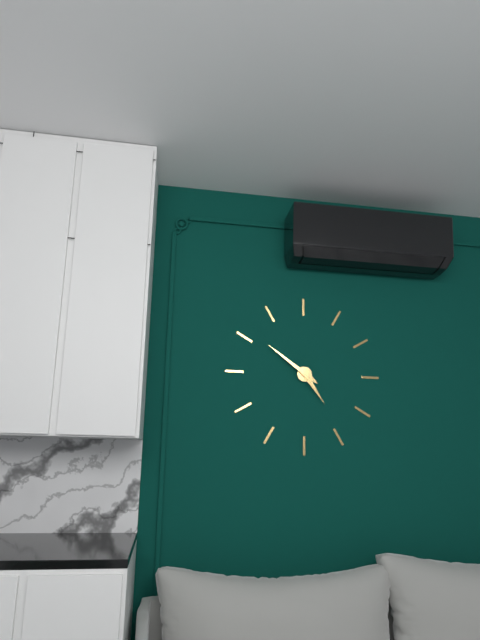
4:51
